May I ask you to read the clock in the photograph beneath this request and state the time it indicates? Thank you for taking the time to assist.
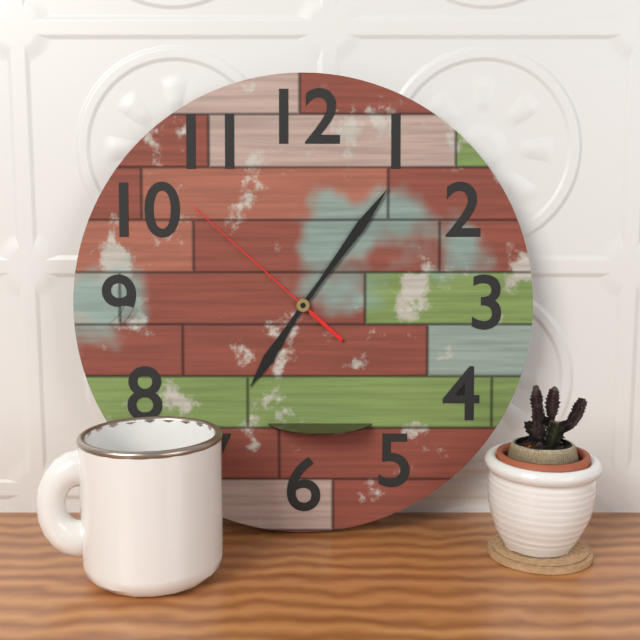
7:06:52
